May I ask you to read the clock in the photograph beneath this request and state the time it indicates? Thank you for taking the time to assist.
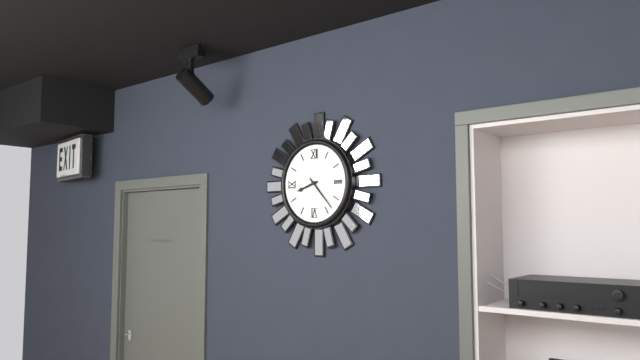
8:23
